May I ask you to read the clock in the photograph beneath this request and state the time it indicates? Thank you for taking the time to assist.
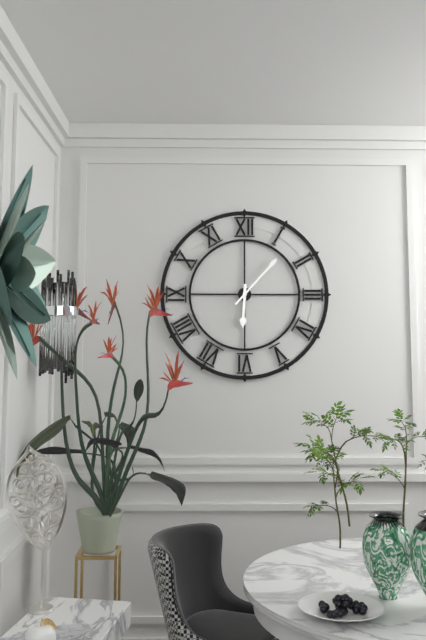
6:07
